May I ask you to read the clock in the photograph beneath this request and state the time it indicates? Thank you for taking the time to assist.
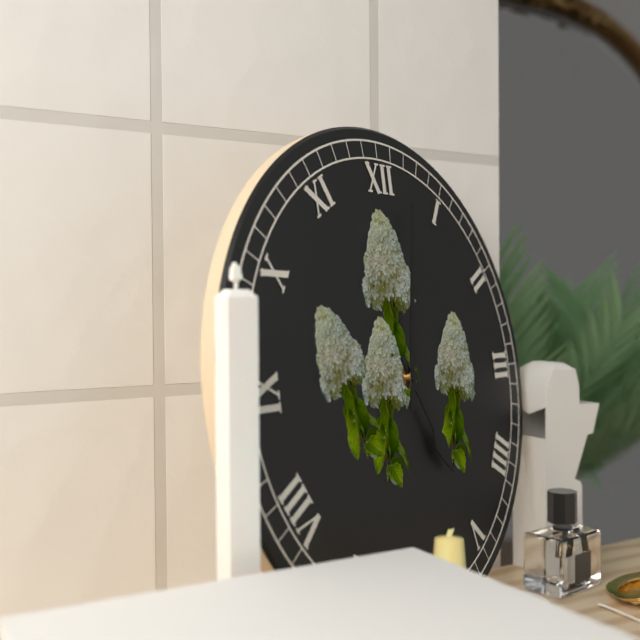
5:02
